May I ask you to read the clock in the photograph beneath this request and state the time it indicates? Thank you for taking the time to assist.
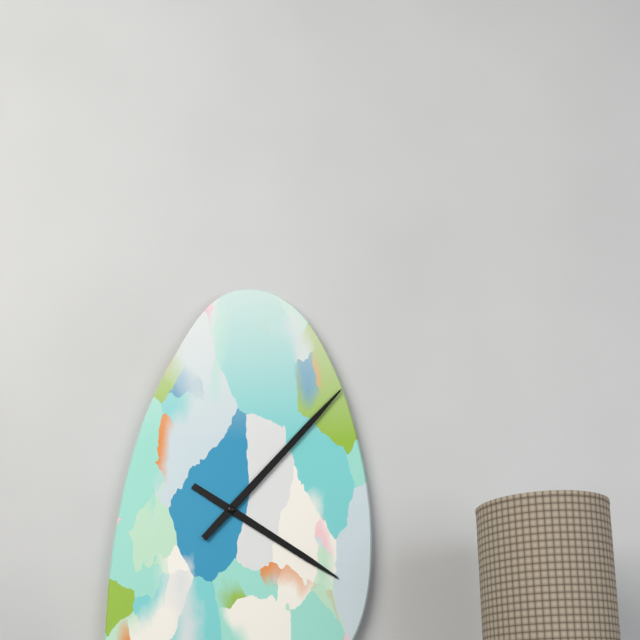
4:07
